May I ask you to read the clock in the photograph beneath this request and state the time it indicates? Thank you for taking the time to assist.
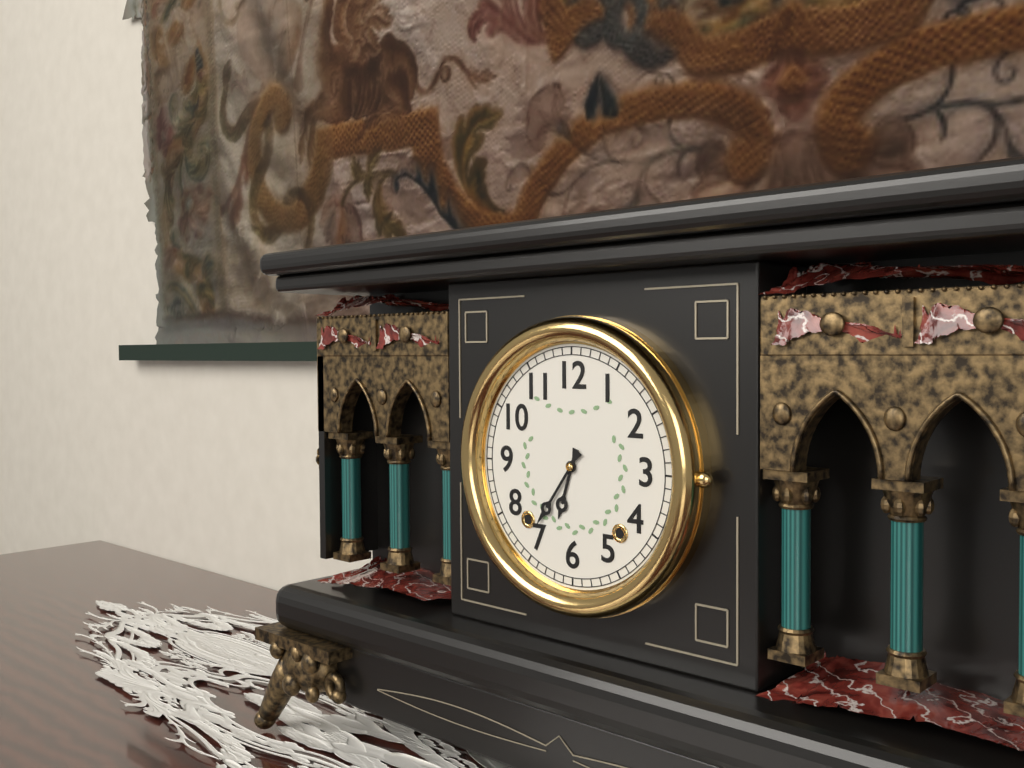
6:36
